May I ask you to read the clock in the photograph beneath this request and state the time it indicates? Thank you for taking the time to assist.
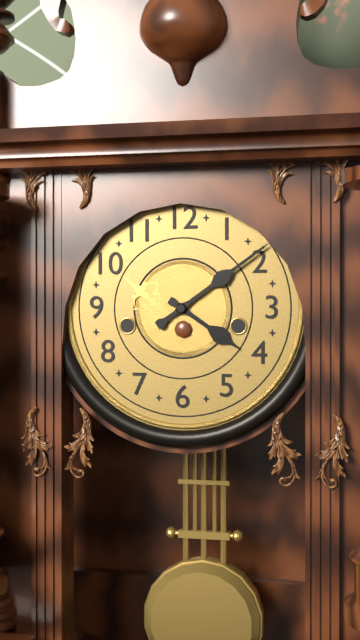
4:09
